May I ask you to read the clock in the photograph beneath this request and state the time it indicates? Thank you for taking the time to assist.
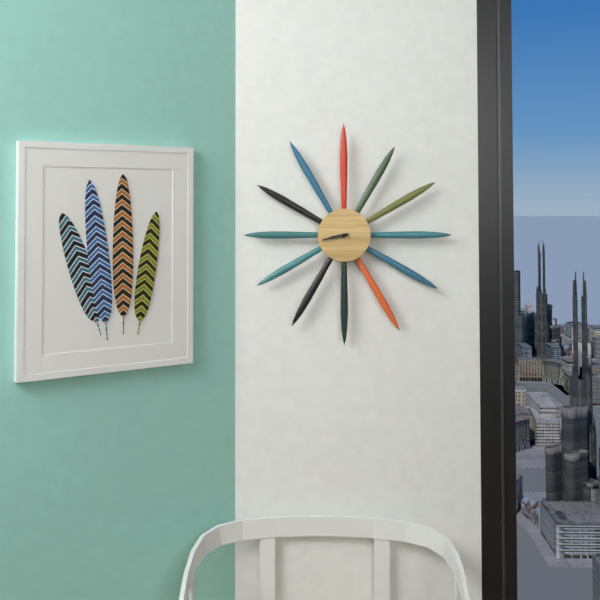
8:43
